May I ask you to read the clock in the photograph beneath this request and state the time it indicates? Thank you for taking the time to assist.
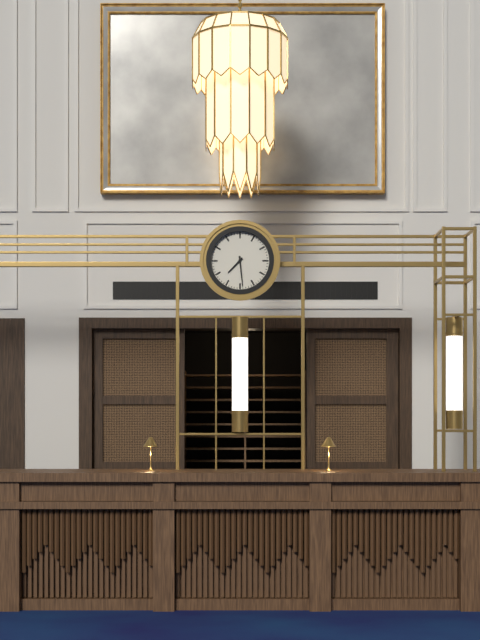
7:29
